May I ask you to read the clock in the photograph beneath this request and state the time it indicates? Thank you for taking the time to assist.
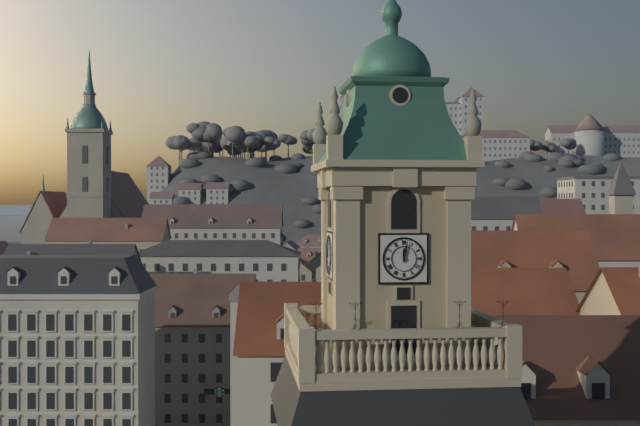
12:02
